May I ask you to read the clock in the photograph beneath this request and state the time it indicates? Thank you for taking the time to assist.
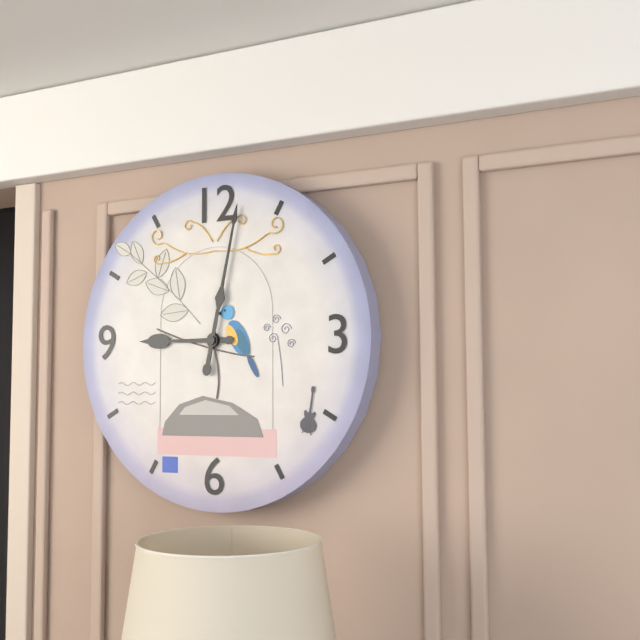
9:02
